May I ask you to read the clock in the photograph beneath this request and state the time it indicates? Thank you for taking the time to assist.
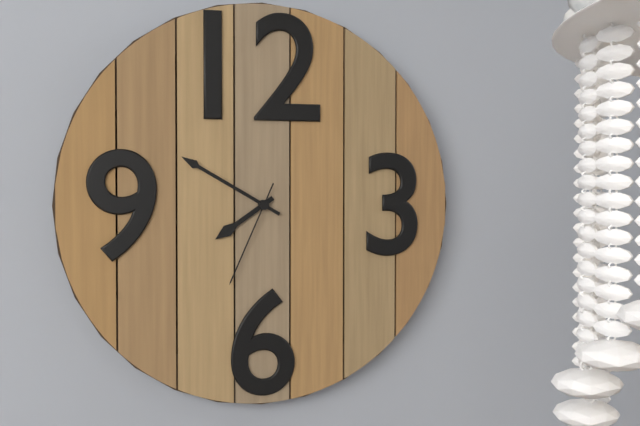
7:50:34
